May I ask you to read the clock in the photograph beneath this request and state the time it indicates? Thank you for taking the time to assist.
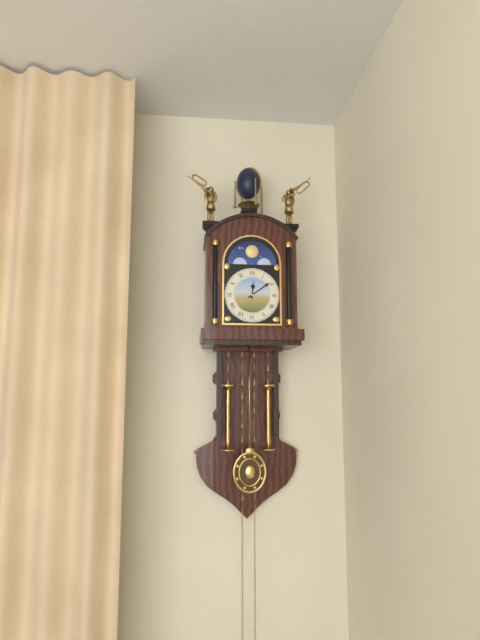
12:09
